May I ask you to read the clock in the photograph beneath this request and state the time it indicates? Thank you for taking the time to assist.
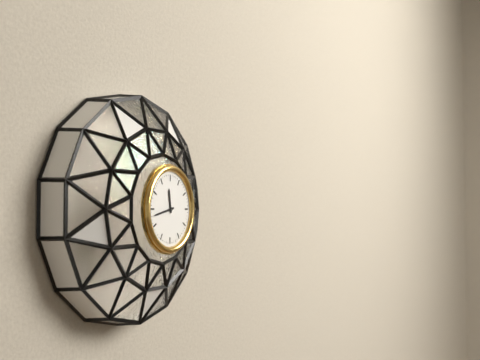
11:43
